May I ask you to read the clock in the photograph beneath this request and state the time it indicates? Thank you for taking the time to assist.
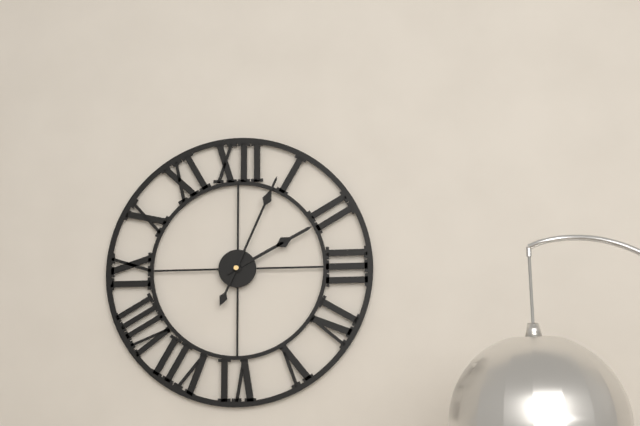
2:04
